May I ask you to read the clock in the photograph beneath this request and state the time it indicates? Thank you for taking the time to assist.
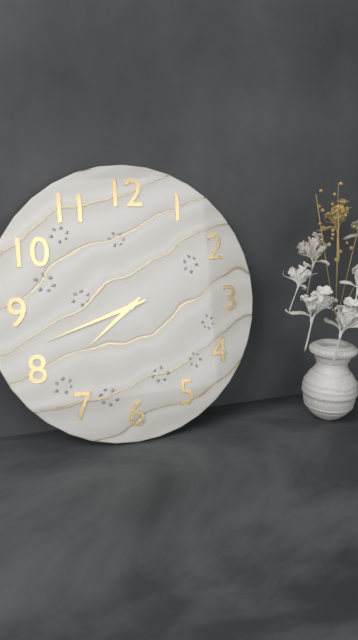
7:42
